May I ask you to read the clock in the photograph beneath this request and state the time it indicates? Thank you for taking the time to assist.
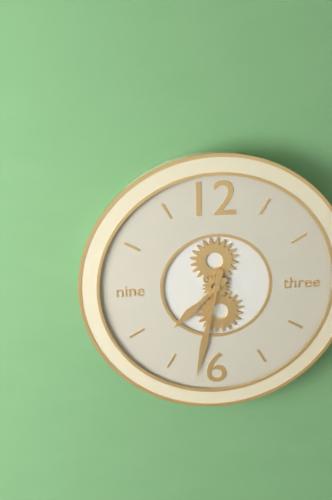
7:32
